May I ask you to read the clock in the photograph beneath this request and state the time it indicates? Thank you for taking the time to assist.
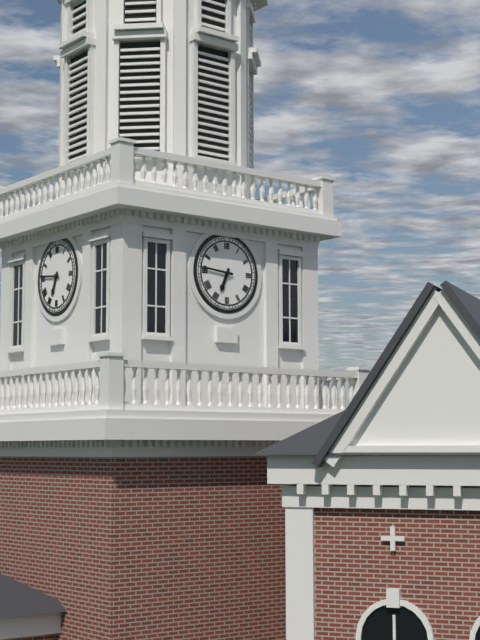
6:46
